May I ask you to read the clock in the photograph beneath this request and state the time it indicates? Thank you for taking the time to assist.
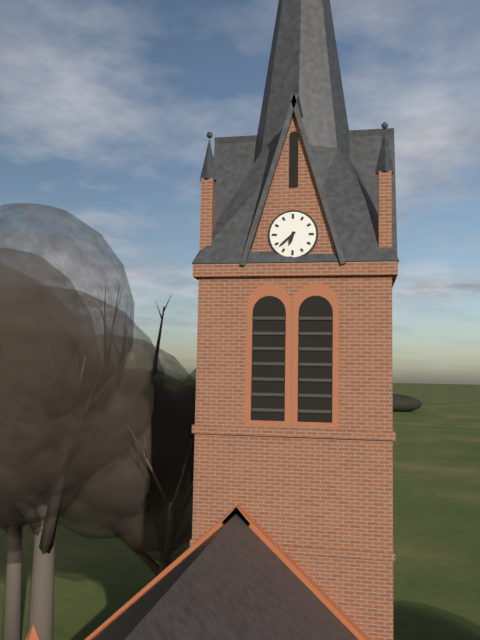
6:38
